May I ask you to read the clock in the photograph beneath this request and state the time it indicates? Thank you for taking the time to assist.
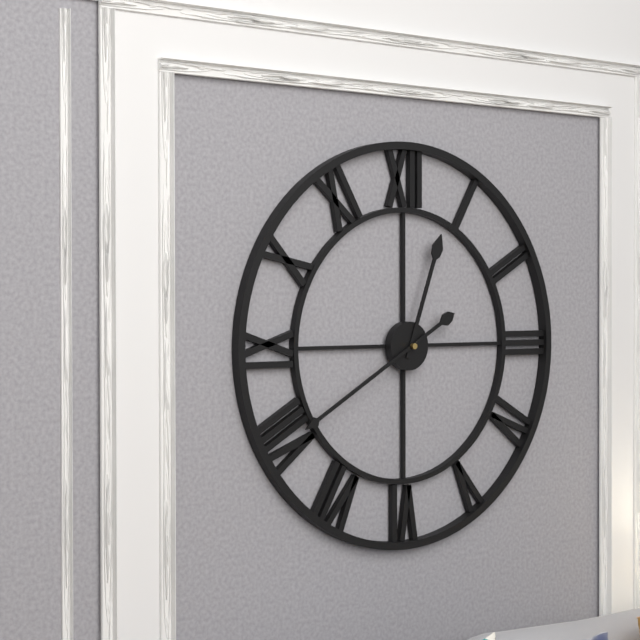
12:40
